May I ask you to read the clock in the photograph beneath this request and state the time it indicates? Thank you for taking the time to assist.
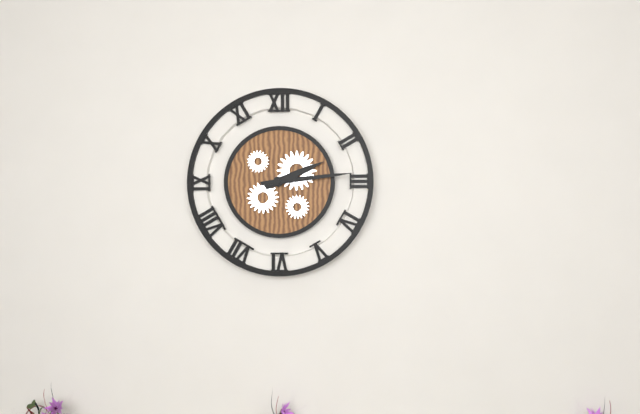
2:14
